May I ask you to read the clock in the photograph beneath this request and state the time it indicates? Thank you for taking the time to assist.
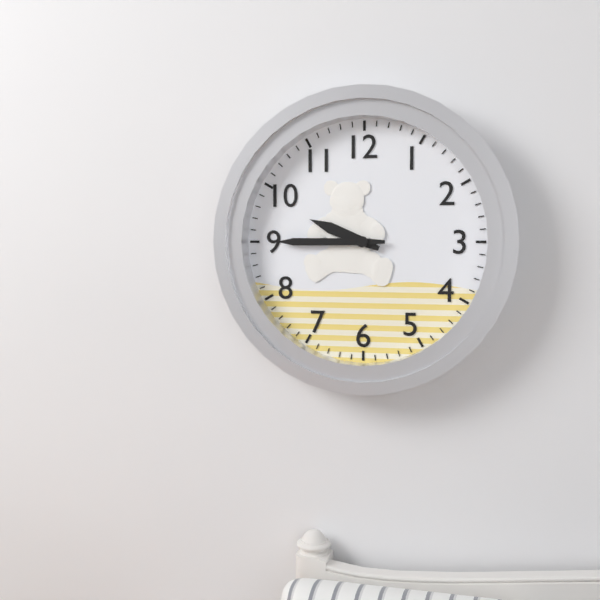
9:45
